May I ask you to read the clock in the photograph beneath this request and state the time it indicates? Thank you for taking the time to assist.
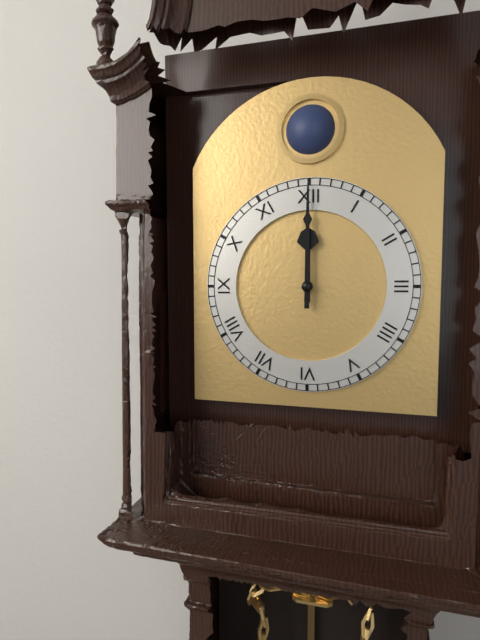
12:00
